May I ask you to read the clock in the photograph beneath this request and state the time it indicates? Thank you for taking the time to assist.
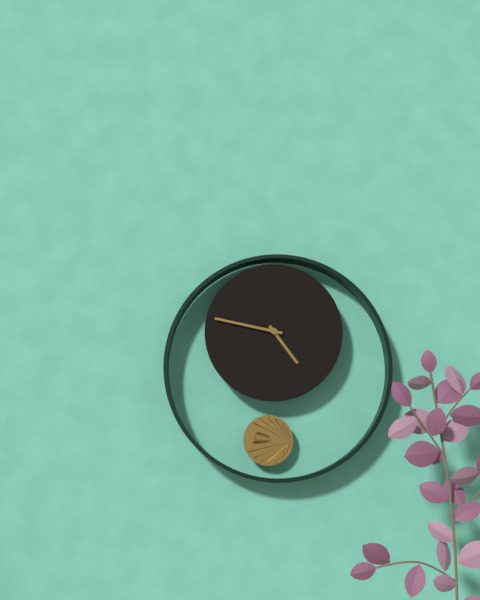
4:47
